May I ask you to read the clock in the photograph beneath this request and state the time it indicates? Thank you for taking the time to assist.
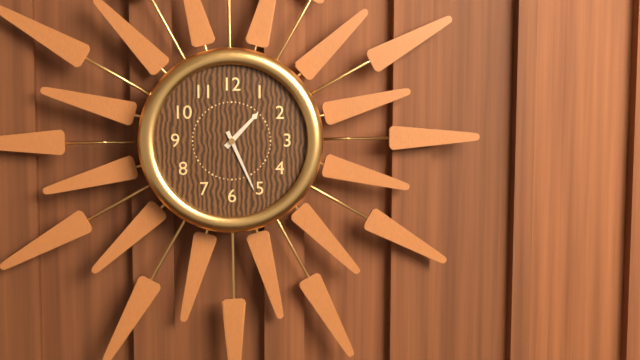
1:26
